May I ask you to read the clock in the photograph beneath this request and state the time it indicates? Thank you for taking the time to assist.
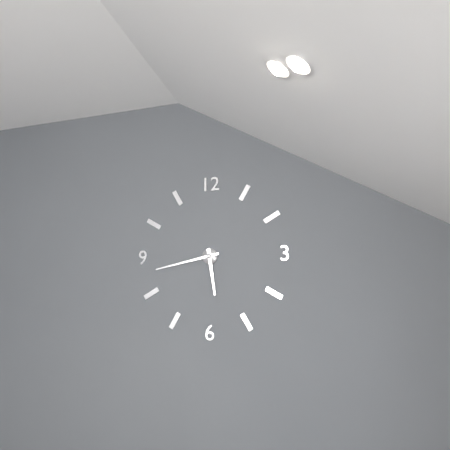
5:43
